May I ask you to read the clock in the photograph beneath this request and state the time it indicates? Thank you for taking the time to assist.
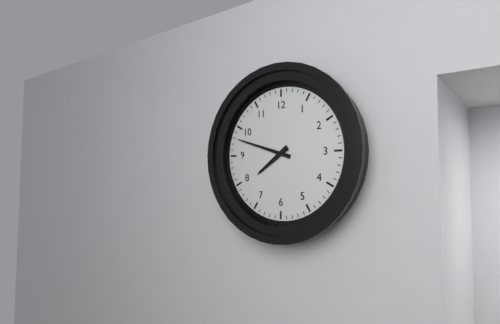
7:48
